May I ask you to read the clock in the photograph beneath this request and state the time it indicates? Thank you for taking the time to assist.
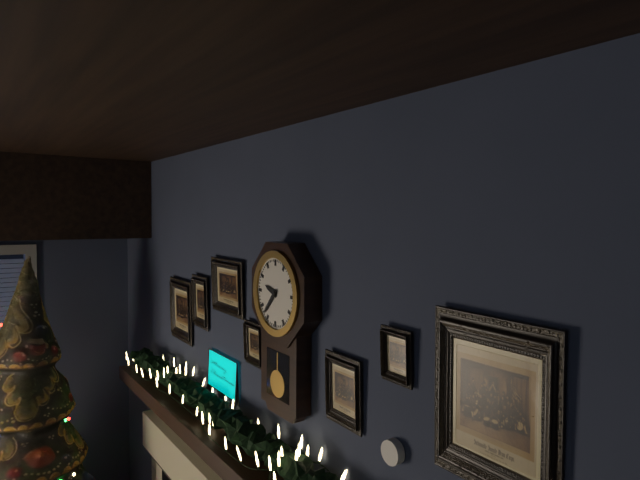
9:37
